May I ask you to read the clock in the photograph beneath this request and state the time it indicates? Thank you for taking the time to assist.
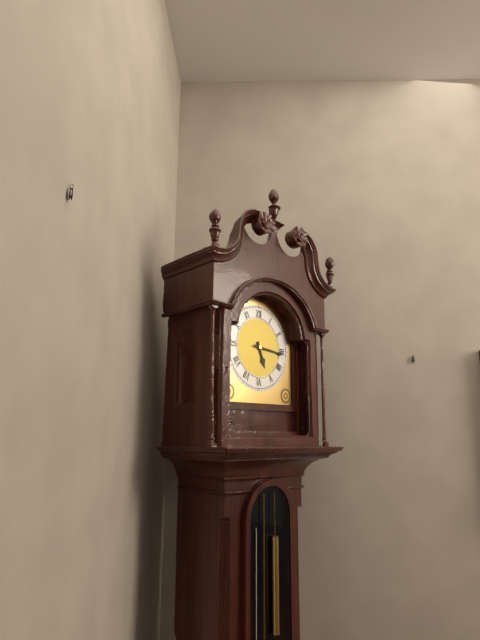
5:16
